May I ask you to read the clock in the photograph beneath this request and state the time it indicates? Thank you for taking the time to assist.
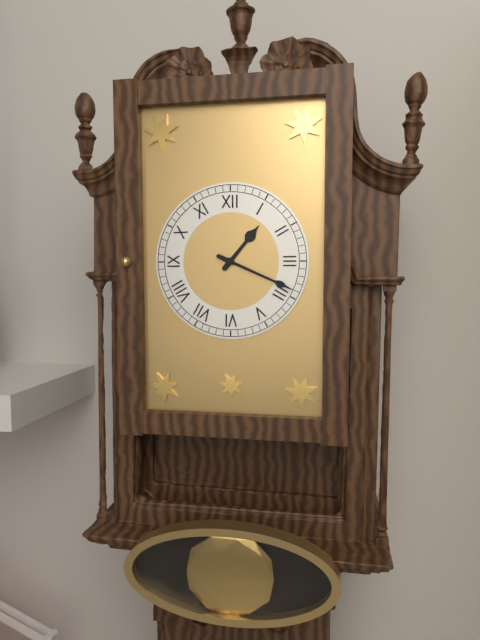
1:19
